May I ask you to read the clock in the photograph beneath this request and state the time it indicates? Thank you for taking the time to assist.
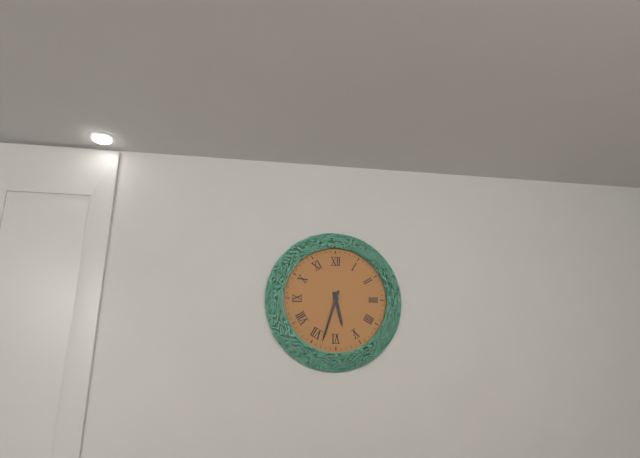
5:33
